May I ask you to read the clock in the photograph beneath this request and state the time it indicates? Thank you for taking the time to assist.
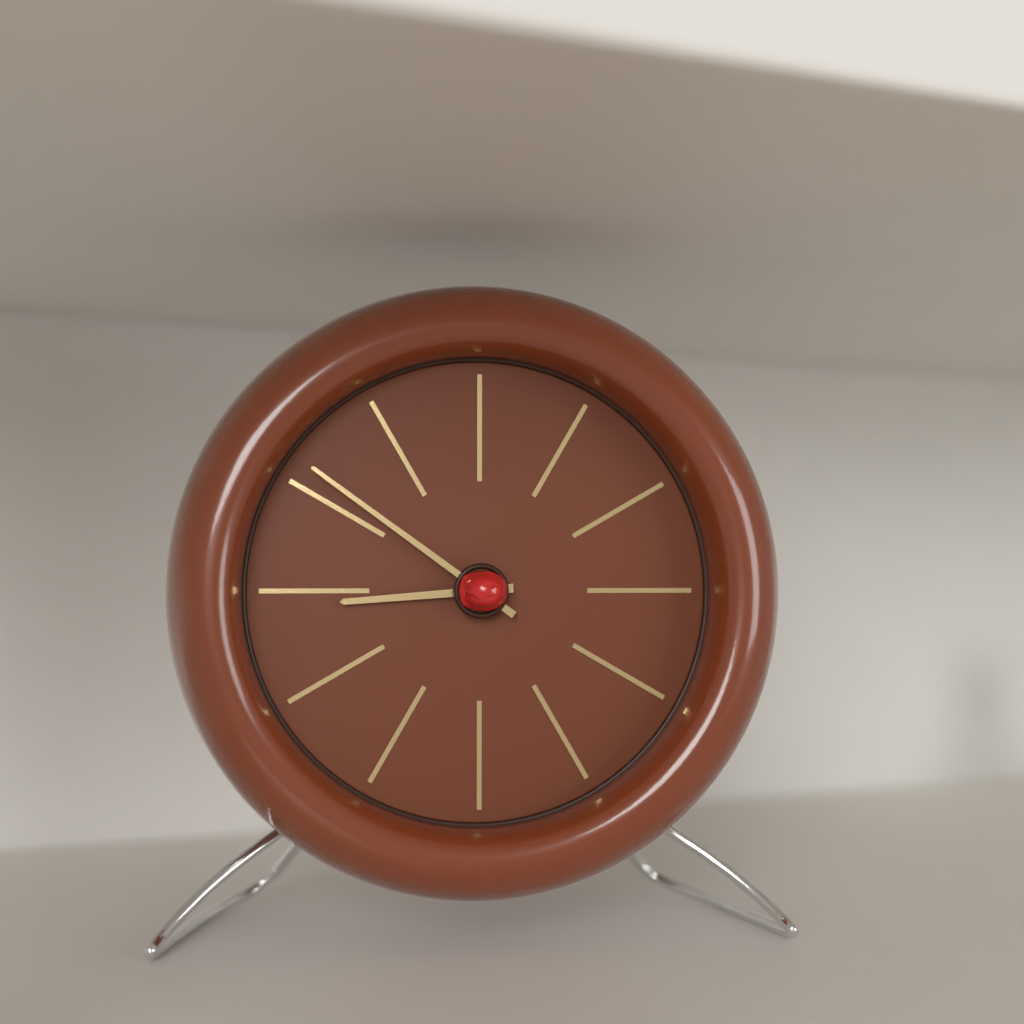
8:51
